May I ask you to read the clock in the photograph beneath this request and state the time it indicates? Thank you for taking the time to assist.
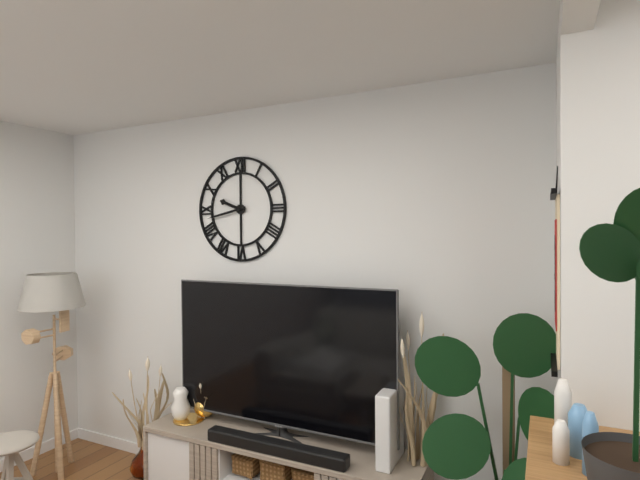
9:43
